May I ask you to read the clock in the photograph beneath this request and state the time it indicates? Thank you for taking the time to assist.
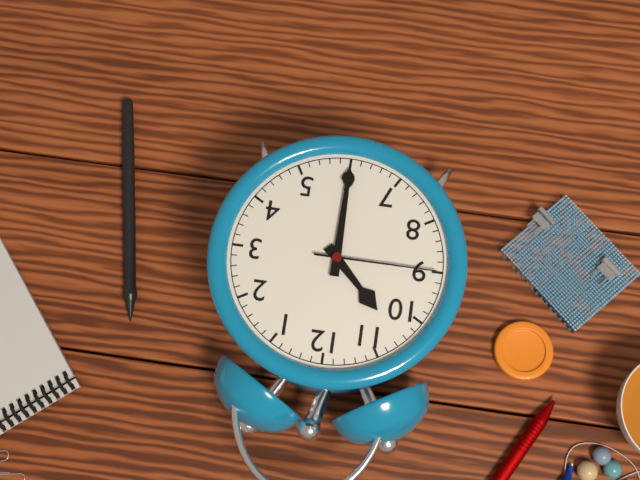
10:30:45
